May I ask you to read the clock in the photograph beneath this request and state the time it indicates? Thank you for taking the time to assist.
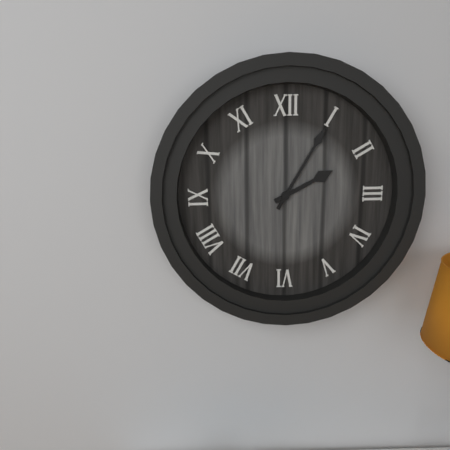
2:05
